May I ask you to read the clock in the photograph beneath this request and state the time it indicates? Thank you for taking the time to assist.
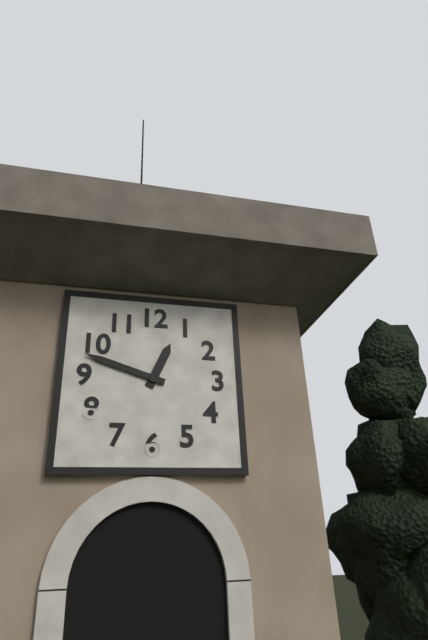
12:48
